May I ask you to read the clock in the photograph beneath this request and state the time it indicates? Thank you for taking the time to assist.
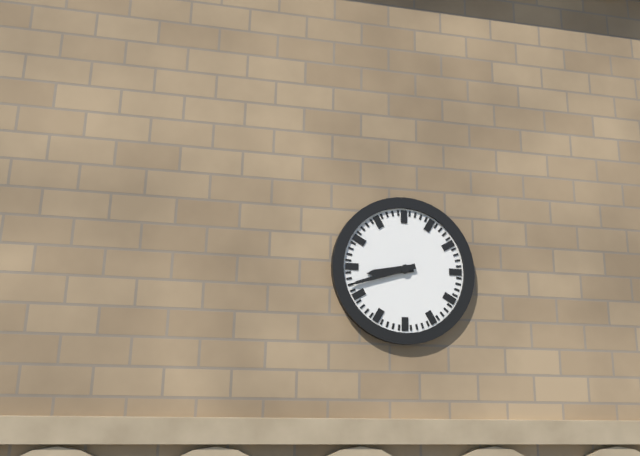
8:42
